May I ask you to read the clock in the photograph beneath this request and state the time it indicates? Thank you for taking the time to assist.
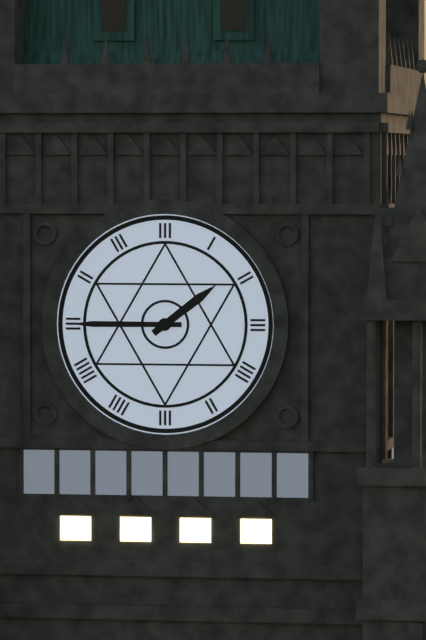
1:45
